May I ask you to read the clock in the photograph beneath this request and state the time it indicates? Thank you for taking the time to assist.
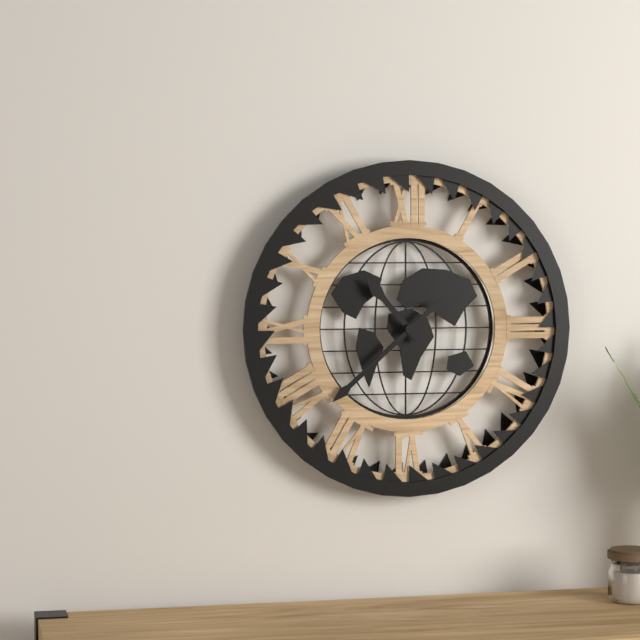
10:38
